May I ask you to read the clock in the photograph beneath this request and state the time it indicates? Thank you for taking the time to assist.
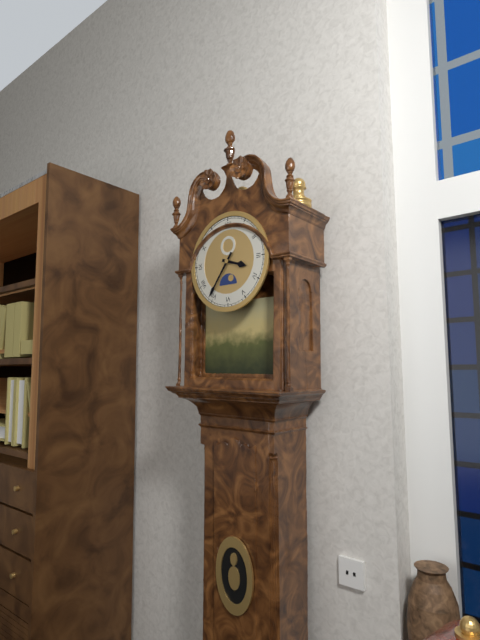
3:36
